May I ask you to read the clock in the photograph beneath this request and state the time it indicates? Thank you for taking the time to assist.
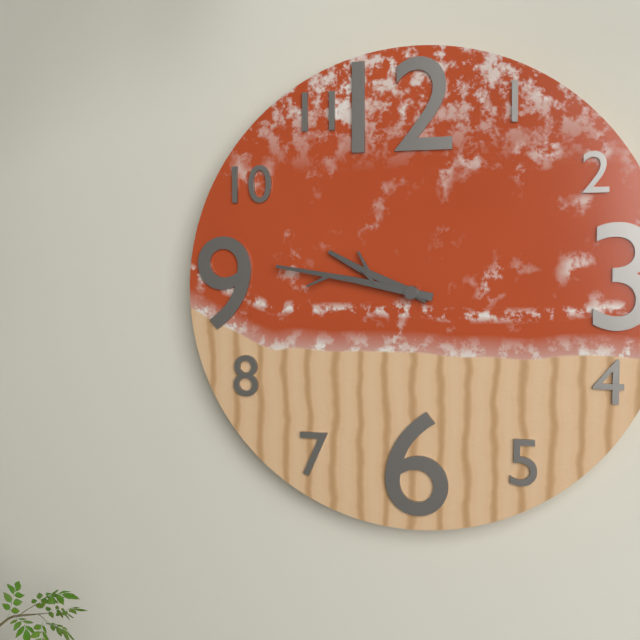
9:47
